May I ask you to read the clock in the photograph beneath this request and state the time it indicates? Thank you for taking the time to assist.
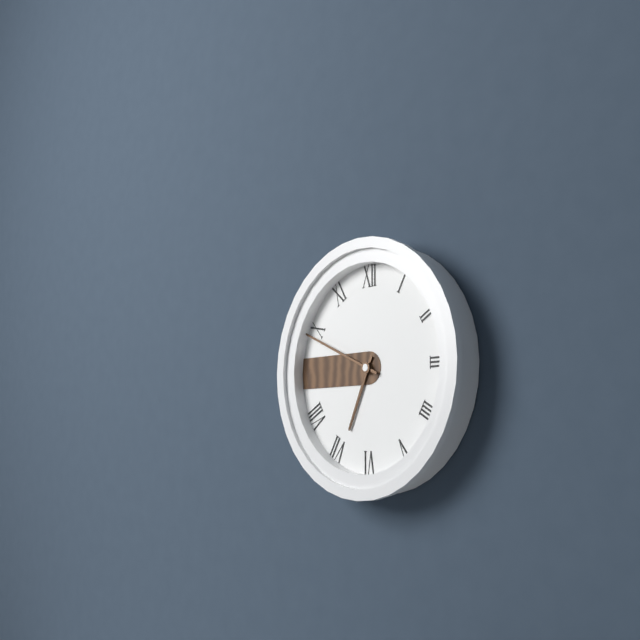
6:49
